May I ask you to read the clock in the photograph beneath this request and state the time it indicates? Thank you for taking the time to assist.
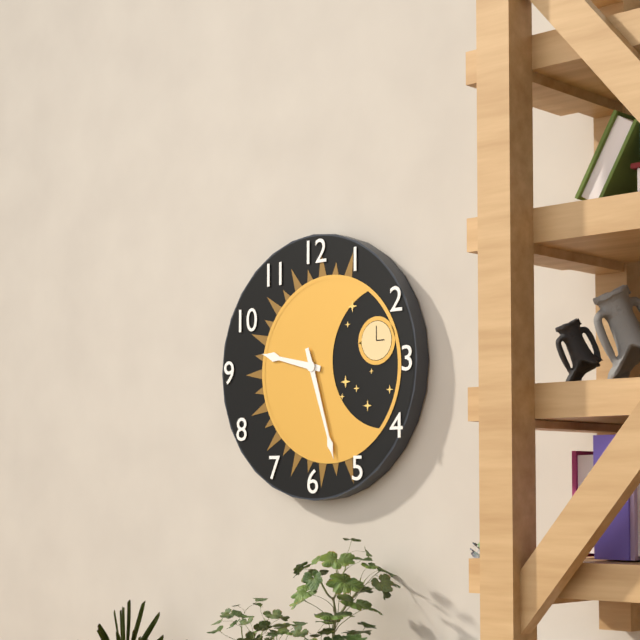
9:27
